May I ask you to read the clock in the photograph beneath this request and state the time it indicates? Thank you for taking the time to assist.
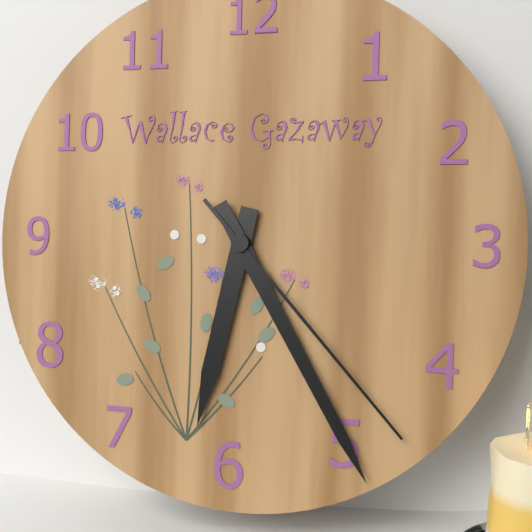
6:25:23
